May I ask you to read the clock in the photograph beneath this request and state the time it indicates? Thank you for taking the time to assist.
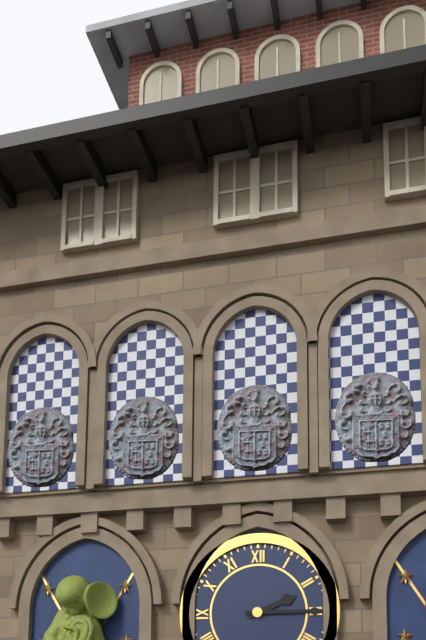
2:15
